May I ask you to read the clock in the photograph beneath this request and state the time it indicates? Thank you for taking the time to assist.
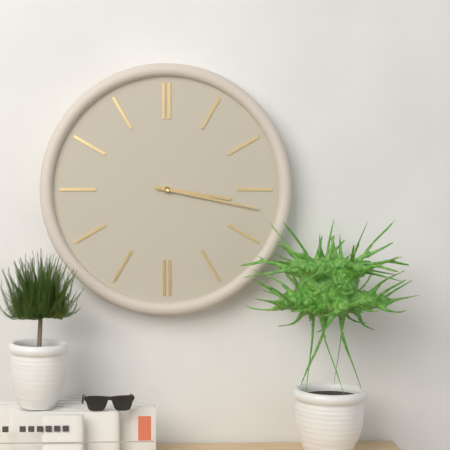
3:17
